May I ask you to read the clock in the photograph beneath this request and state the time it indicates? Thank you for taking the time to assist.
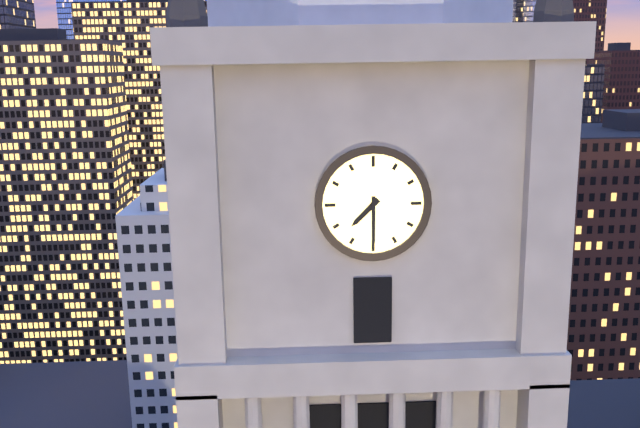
7:30
